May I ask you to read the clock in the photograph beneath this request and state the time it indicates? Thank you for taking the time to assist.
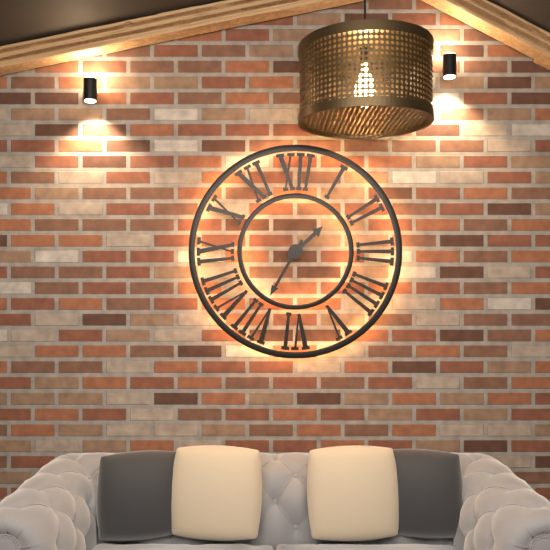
1:35
